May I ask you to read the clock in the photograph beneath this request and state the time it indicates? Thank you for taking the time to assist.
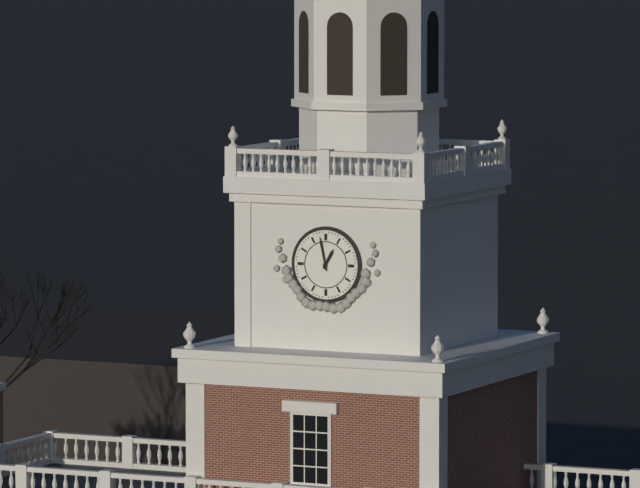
12:58
